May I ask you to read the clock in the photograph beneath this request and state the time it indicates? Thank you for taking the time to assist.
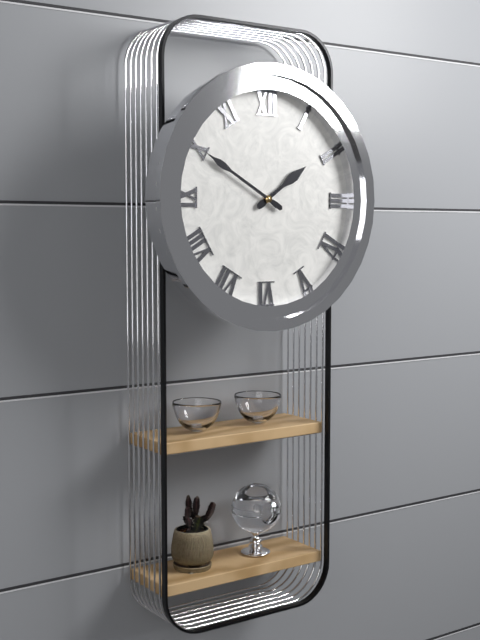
1:50
